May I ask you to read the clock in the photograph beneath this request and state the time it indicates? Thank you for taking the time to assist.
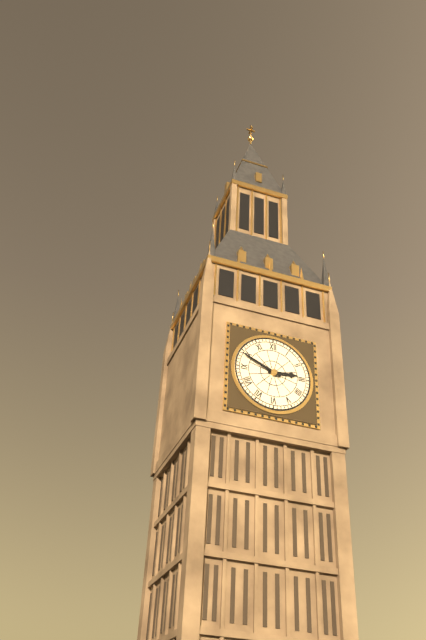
2:49
